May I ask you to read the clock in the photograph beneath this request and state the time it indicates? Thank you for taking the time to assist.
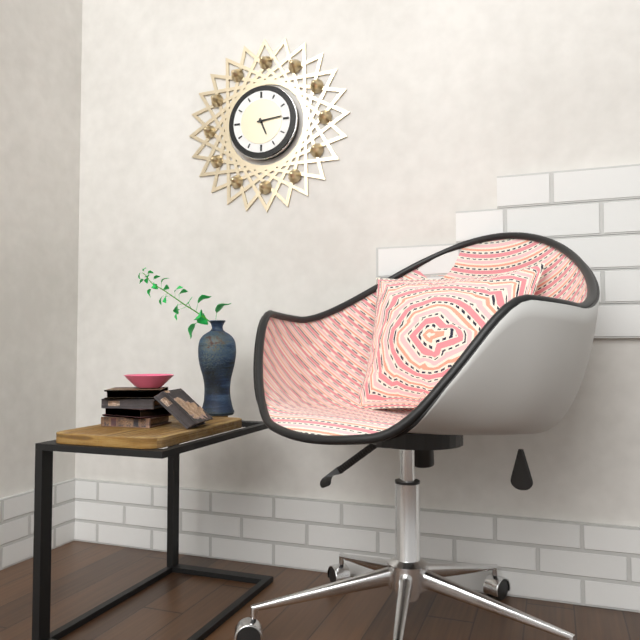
5:14
